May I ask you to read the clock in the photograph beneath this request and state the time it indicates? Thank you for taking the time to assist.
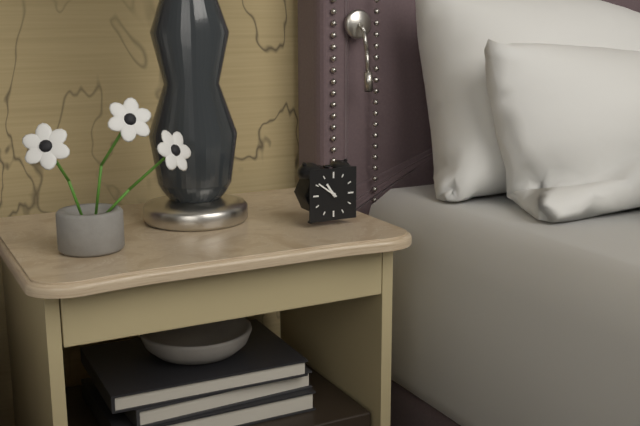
10:51
